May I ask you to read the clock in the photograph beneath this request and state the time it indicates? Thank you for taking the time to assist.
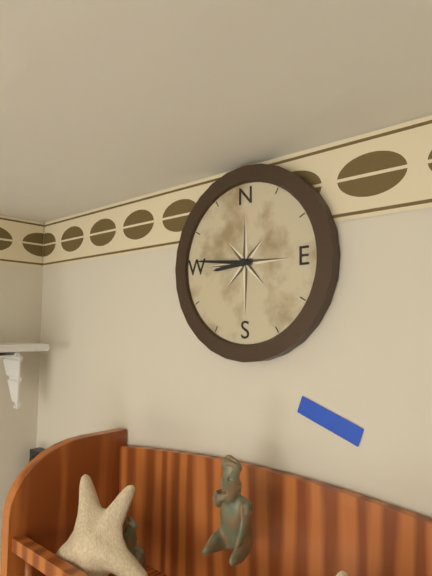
8:46
